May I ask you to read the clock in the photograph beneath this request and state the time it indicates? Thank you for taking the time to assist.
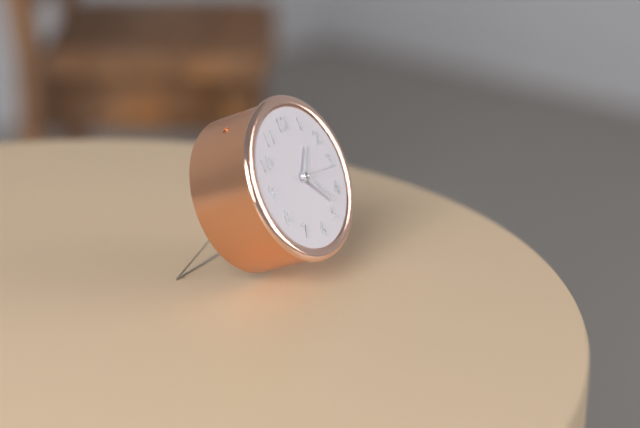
1:23
